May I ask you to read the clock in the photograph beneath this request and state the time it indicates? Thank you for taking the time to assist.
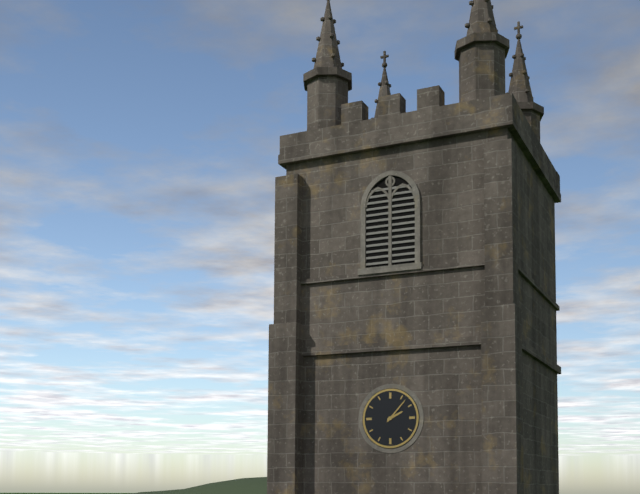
2:07
